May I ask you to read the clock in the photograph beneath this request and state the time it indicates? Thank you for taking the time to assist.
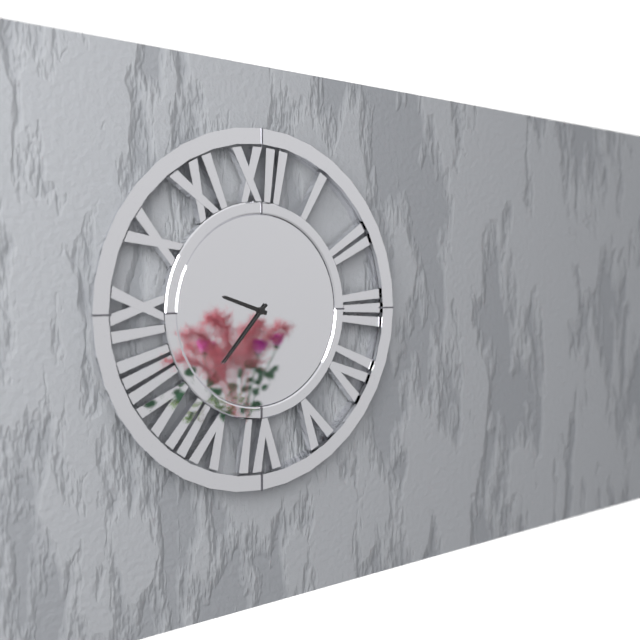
9:37
